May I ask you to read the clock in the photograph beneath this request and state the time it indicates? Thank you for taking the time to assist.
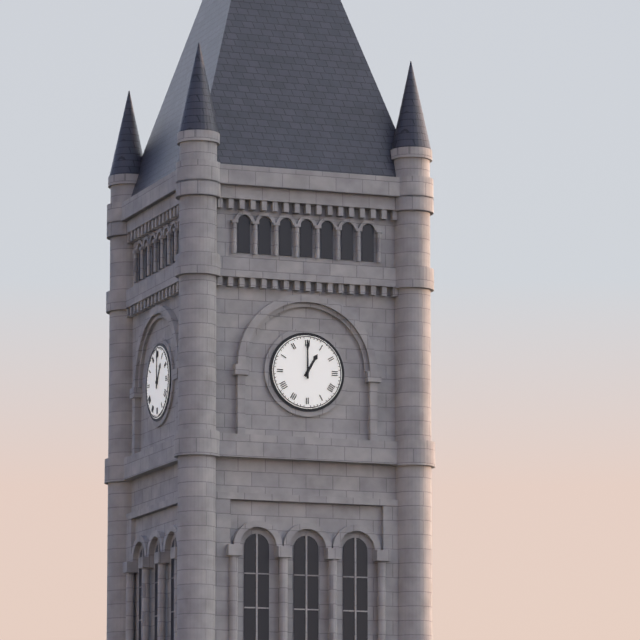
1:00
